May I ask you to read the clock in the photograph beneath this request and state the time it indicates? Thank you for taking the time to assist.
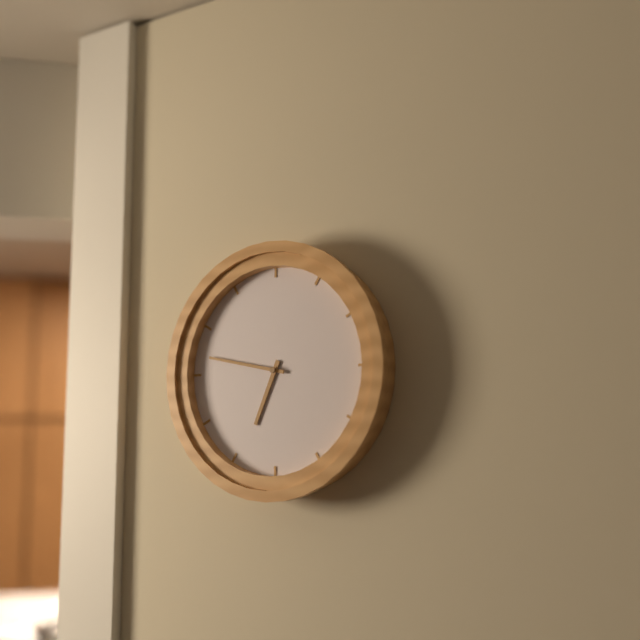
6:47
